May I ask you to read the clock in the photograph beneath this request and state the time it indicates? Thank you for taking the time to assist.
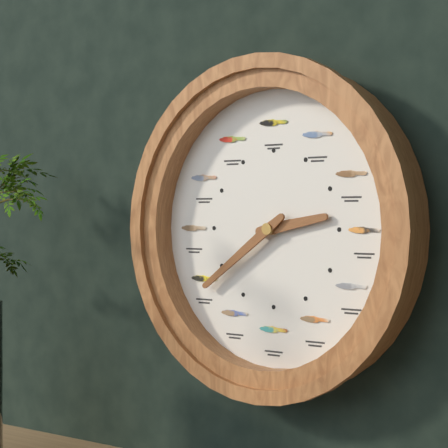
2:39
